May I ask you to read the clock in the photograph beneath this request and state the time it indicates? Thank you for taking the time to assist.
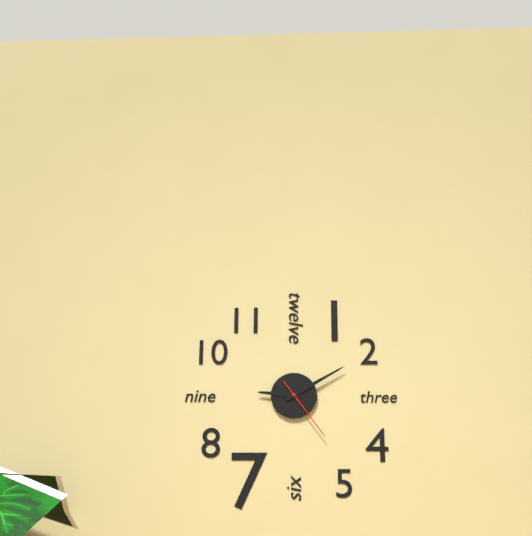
9:10:24
